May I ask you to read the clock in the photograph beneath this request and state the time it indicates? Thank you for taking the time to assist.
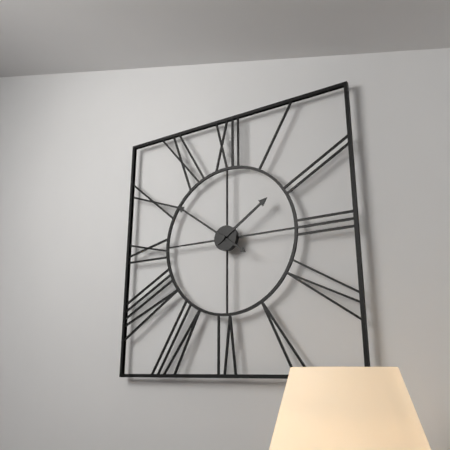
1:51
